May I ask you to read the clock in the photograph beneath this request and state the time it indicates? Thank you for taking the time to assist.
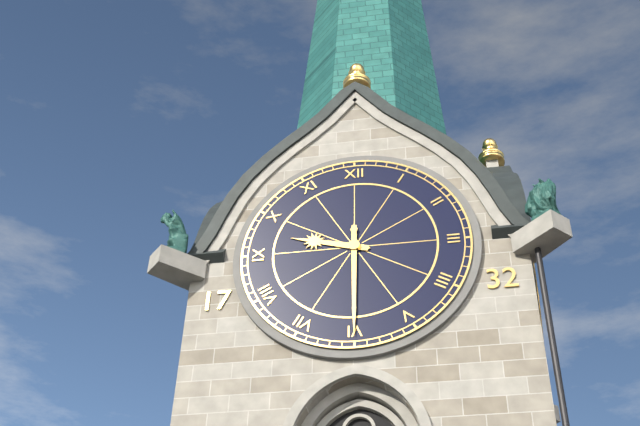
9:30
